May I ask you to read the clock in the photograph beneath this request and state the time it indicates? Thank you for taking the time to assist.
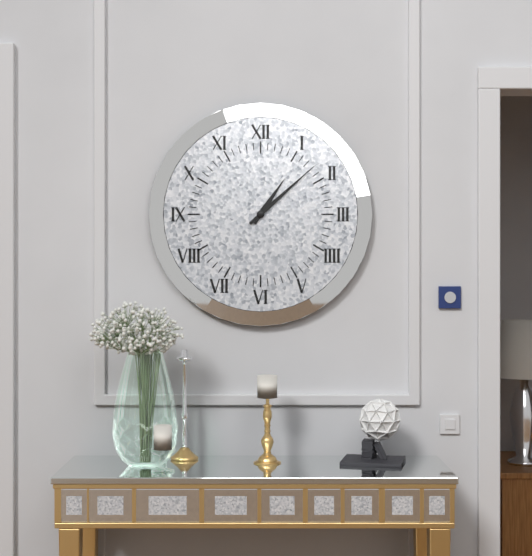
1:08
